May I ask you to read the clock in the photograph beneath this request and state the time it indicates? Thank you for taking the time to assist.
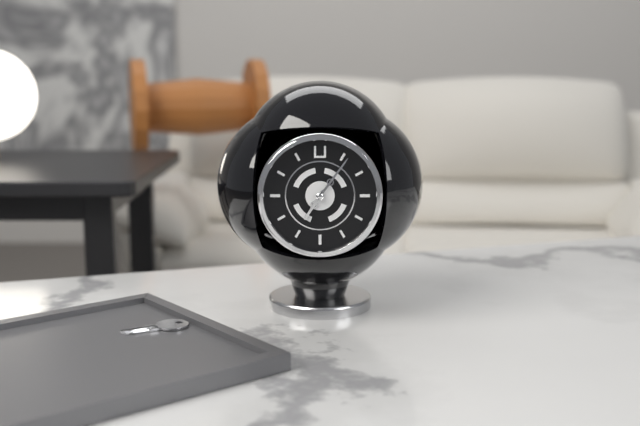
7:06
